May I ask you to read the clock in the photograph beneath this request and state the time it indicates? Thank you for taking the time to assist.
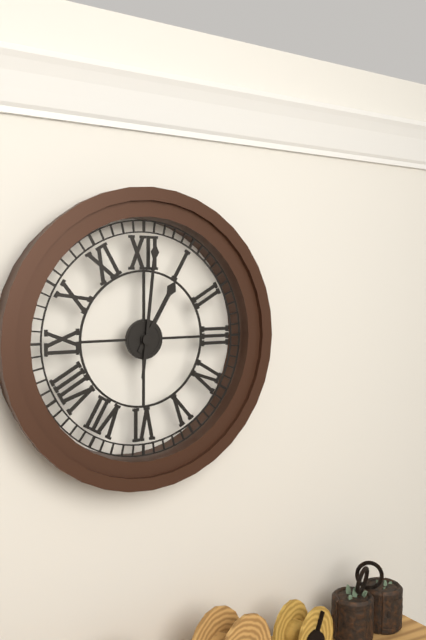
1:01
